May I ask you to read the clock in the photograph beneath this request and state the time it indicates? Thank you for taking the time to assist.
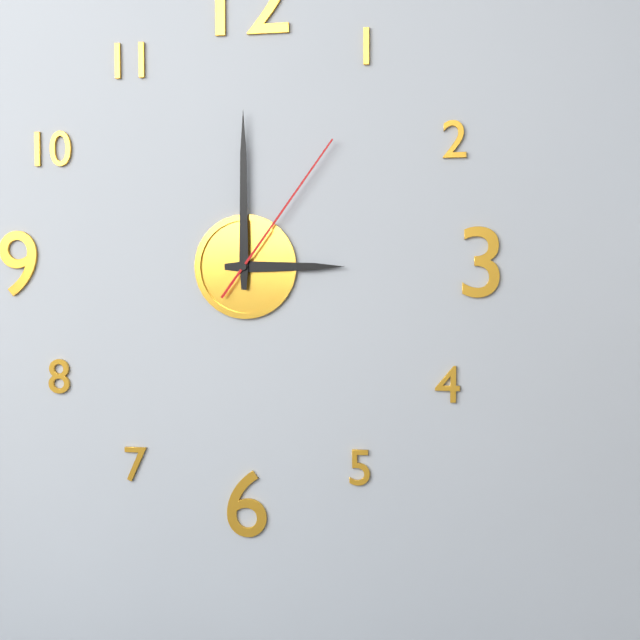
3:00:06
